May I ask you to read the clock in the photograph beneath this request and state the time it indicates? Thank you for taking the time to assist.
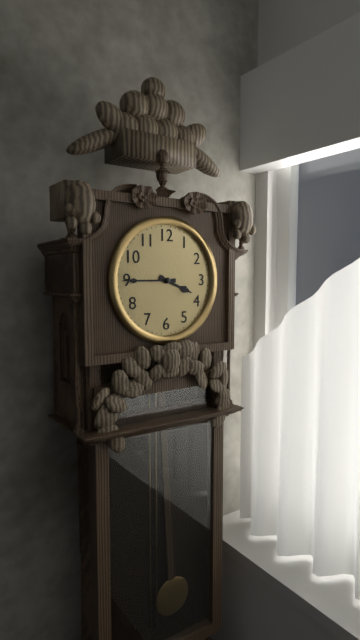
3:45
